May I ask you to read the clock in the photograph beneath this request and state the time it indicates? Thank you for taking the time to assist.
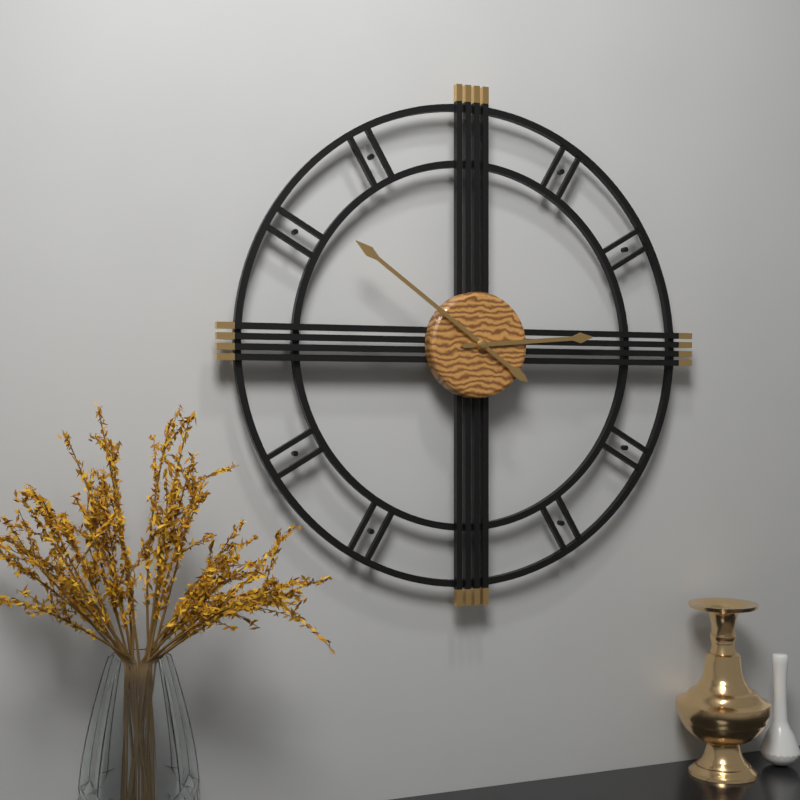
2:51
